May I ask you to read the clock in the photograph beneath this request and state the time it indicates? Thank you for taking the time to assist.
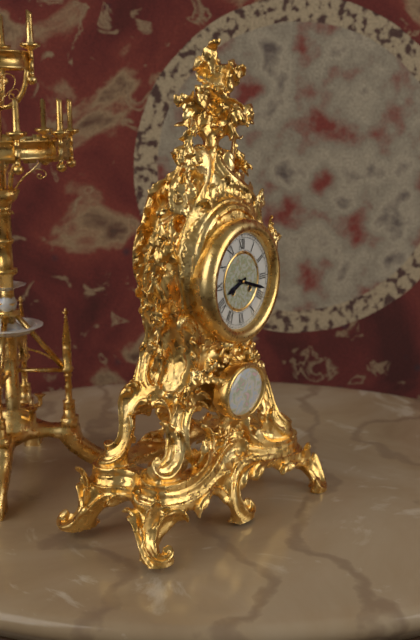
8:18
